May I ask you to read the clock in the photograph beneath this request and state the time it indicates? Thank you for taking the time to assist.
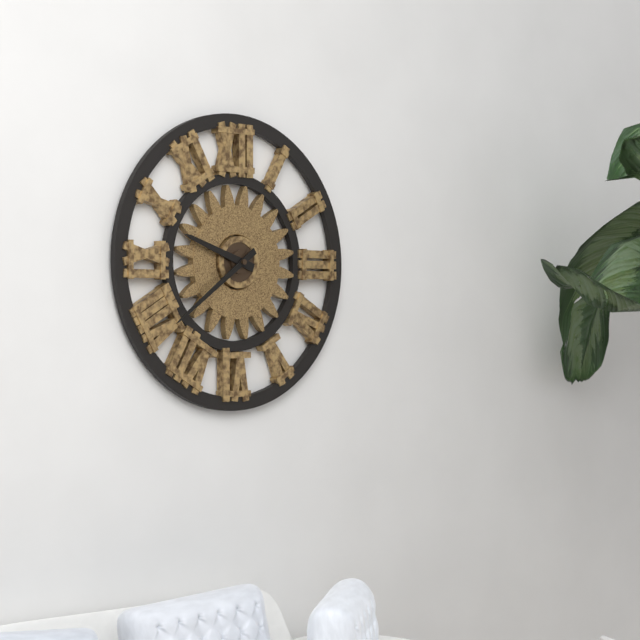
9:39
